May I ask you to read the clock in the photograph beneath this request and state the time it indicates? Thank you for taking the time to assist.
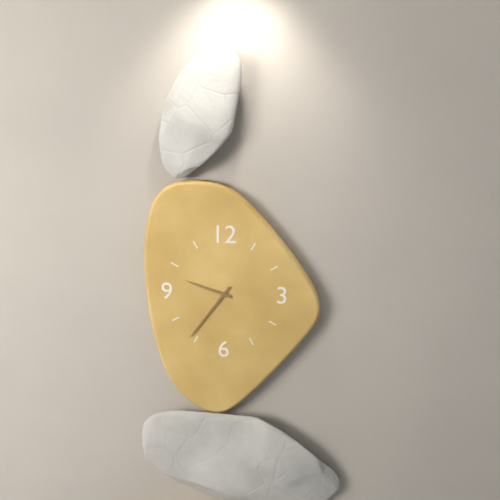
9:36
